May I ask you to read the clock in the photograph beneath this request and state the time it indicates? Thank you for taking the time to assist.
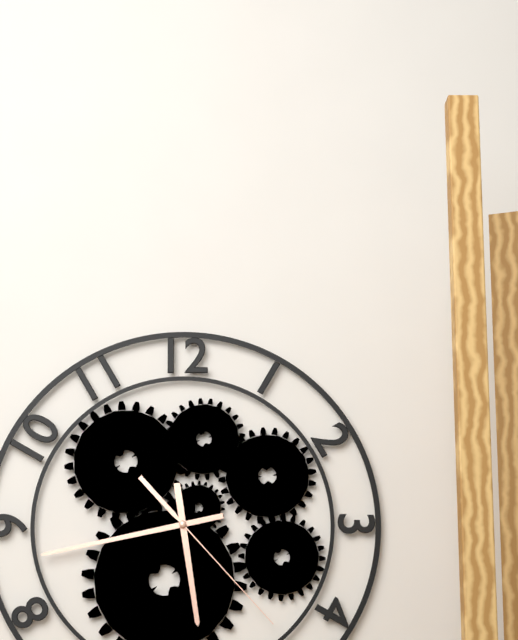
5:43:23
